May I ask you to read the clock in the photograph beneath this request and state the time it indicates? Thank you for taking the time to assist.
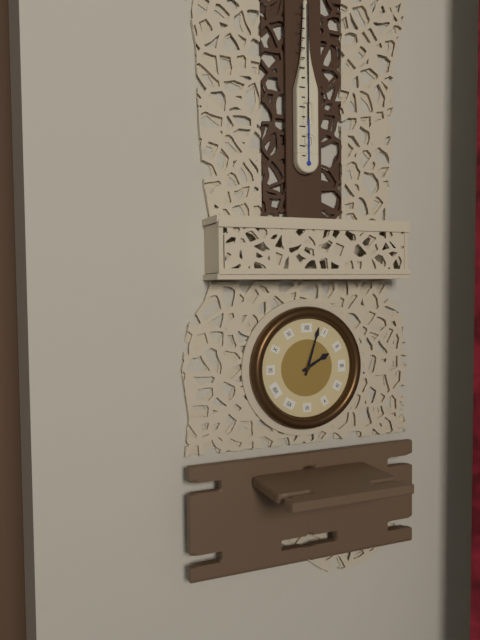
2:03
